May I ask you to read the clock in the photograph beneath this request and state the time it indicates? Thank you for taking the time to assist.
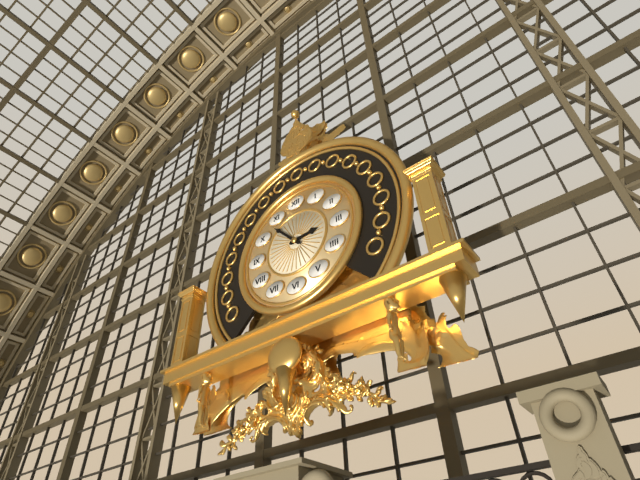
2:53
